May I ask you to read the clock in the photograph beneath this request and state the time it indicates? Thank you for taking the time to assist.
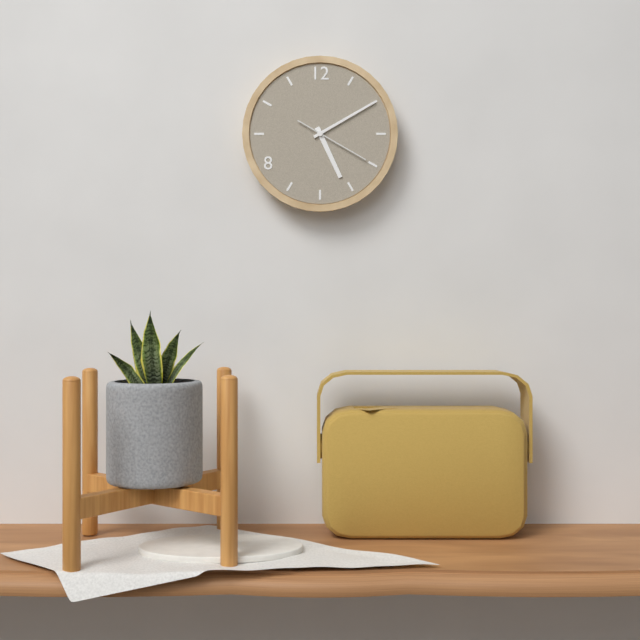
5:10:20
